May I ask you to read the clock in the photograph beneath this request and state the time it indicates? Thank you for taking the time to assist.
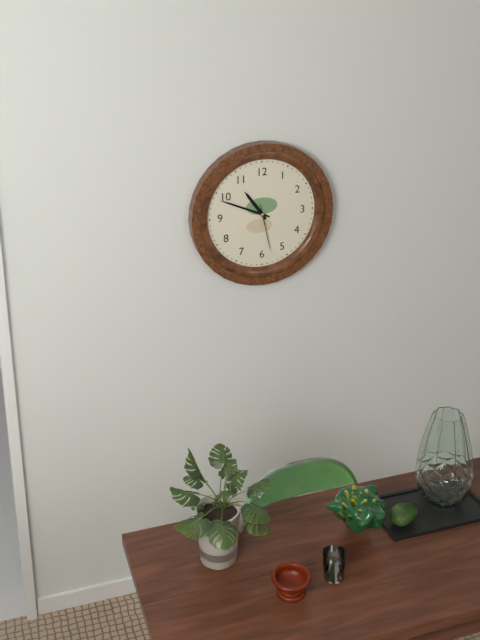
10:49
